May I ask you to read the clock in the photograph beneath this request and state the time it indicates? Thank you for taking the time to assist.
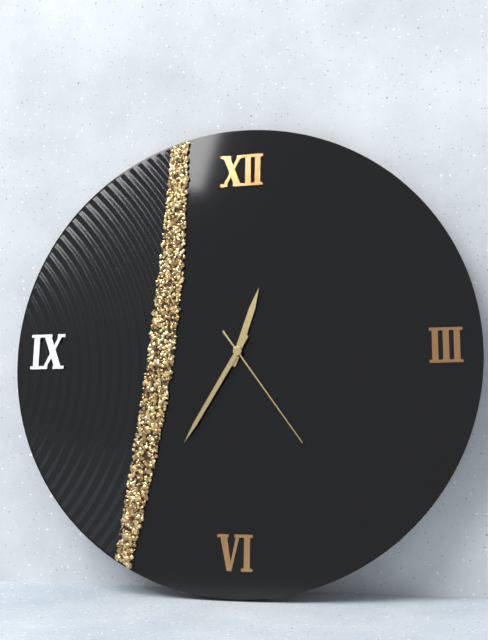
12:35:24
